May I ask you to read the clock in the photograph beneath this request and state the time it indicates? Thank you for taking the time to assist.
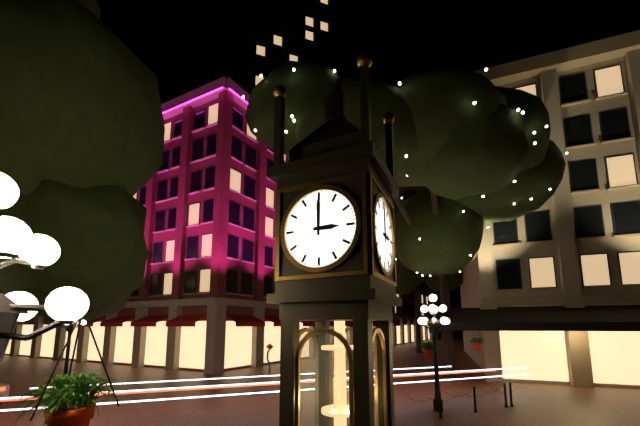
3:00
